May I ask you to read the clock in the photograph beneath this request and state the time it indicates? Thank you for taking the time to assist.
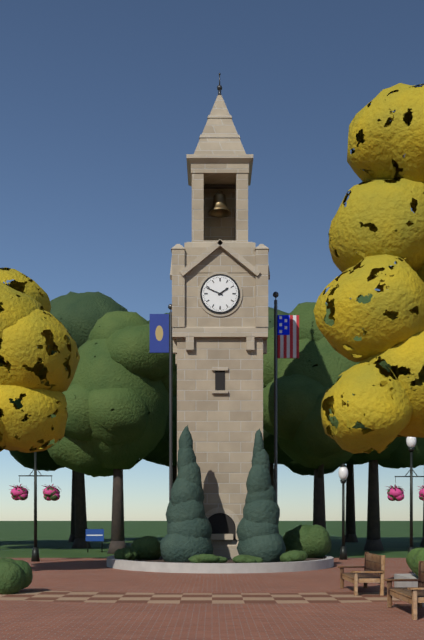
1:49
